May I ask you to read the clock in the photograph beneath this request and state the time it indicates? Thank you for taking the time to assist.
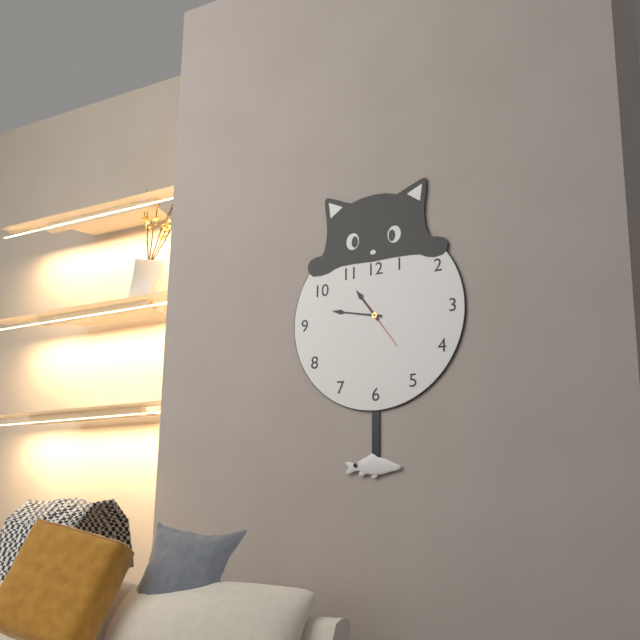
10:47
